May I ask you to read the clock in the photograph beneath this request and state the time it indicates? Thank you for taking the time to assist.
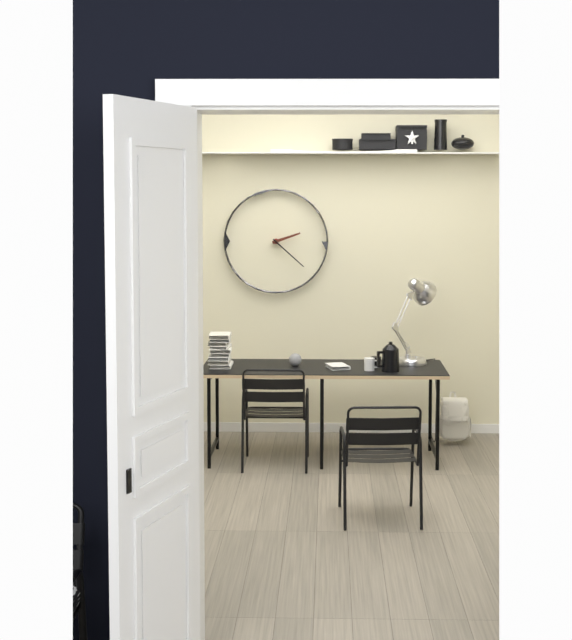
2:22
